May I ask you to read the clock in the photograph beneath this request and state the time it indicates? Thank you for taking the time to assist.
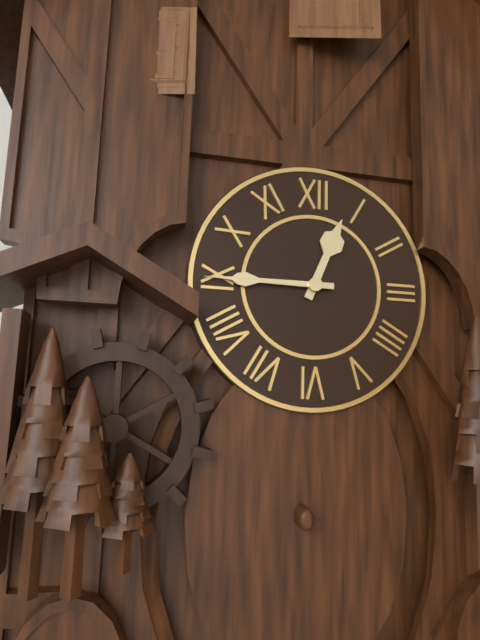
12:45
